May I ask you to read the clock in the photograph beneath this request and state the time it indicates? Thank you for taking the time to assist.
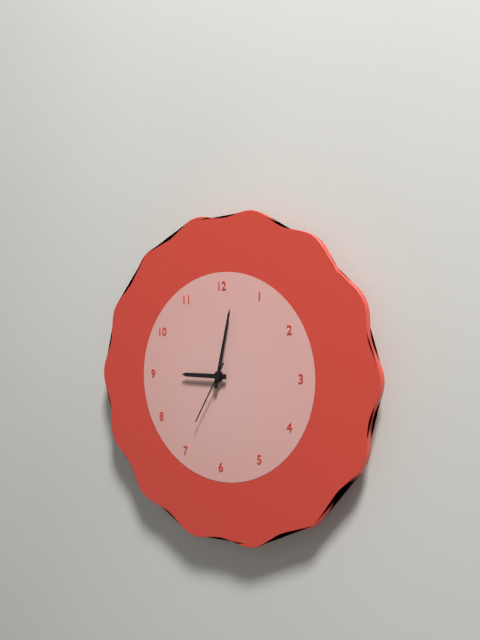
9:02:35
